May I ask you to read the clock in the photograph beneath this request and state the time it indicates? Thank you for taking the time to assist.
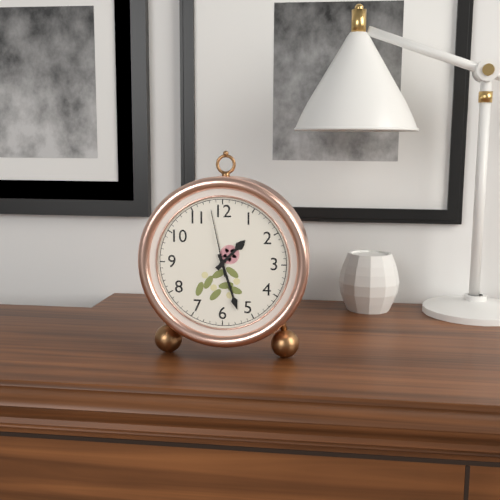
1:27:58
